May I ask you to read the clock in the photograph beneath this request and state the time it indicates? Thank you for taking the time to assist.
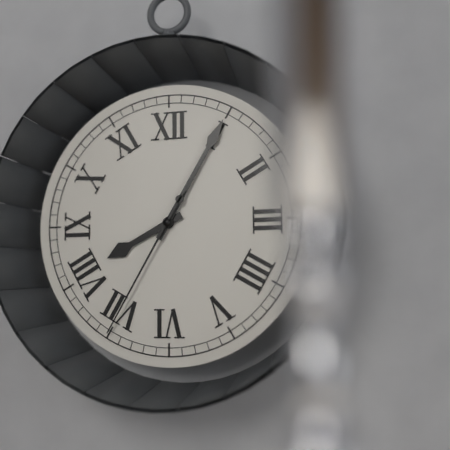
8:05:35
